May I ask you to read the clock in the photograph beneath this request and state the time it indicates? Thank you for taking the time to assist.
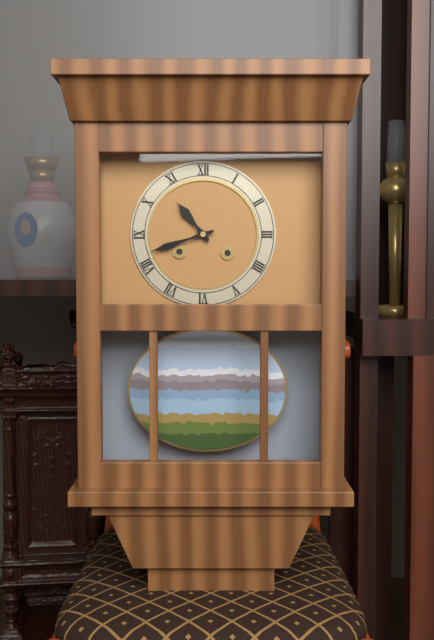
10:42
